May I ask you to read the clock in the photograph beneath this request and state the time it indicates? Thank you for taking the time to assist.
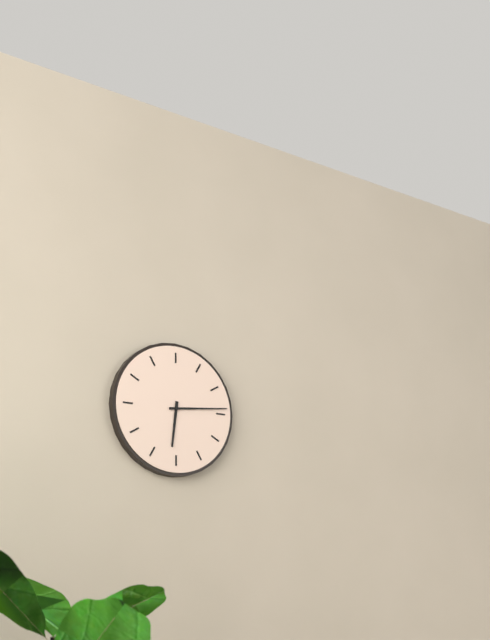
6:14
